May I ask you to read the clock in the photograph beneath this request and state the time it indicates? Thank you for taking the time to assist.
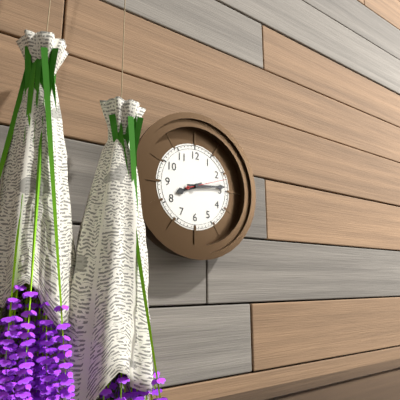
8:14
